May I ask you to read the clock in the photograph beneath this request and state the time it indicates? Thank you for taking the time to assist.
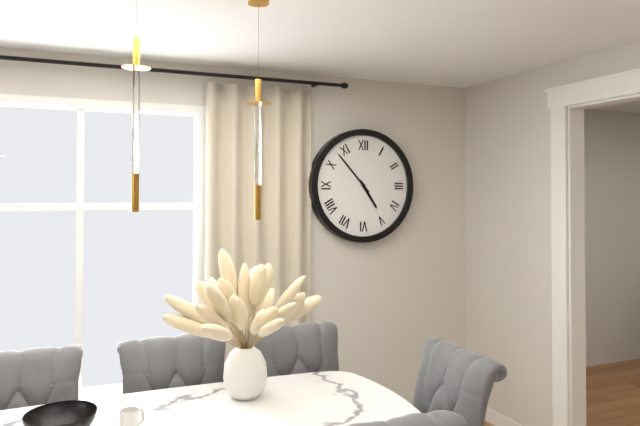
4:53
